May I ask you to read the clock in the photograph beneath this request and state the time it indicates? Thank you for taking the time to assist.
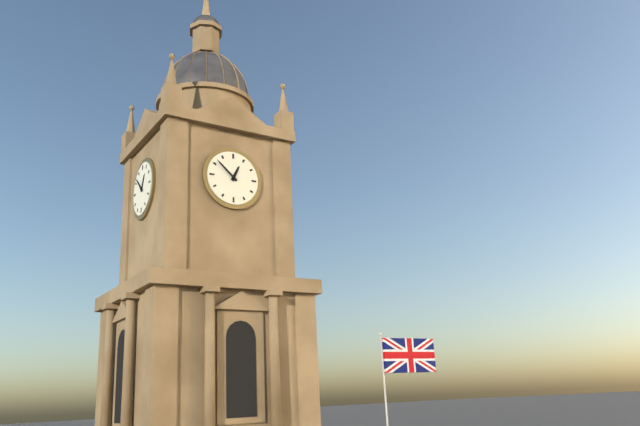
12:52
